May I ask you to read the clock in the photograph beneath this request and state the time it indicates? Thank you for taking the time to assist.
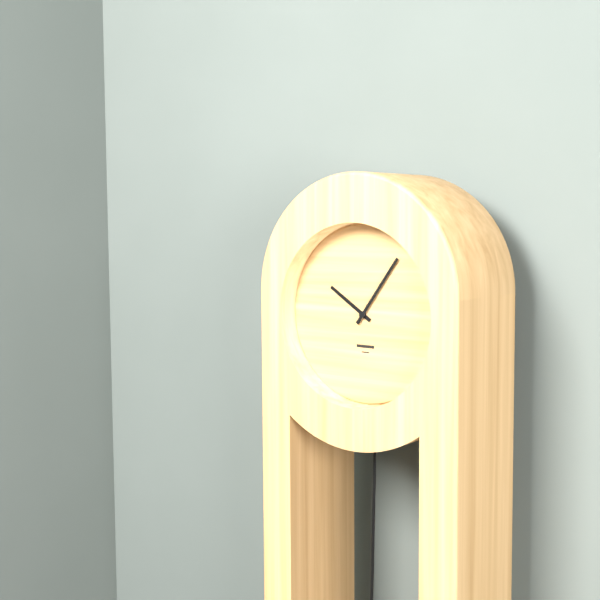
10:06
